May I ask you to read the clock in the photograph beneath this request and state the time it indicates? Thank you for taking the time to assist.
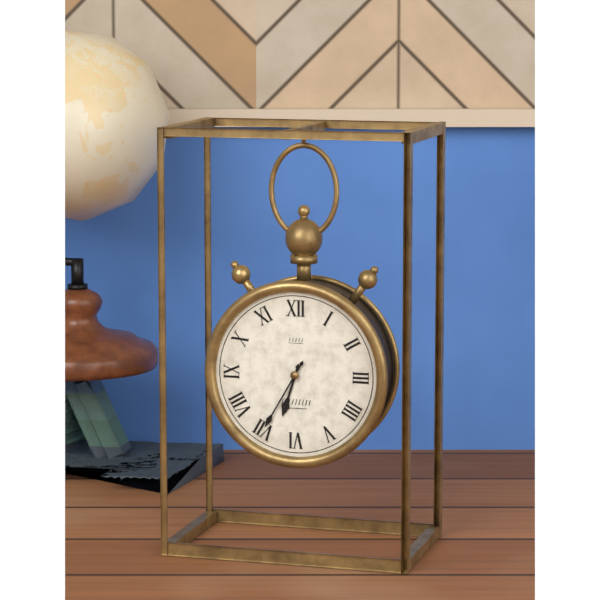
6:35
